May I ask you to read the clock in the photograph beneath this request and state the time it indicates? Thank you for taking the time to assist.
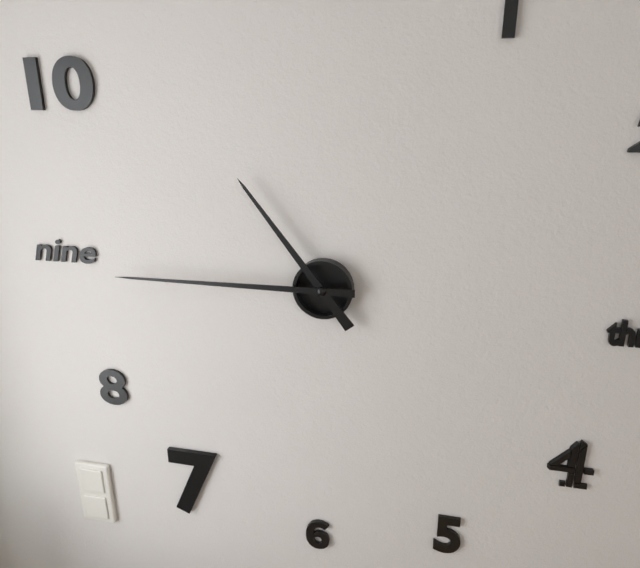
10:45
